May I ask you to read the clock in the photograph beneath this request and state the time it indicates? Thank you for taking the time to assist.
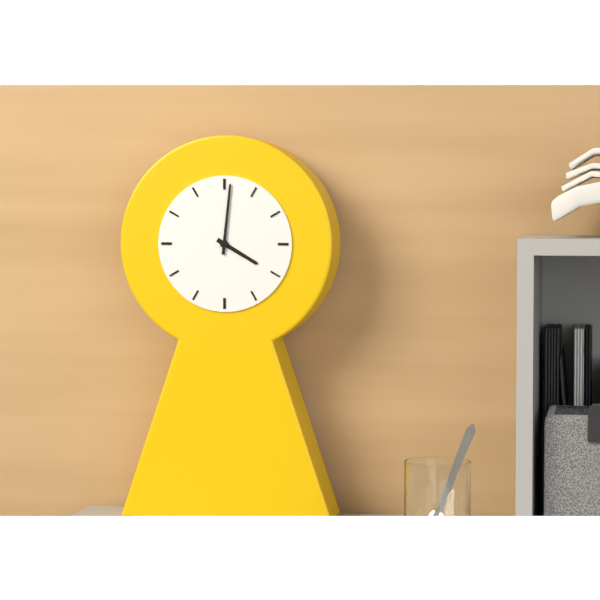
4:01
